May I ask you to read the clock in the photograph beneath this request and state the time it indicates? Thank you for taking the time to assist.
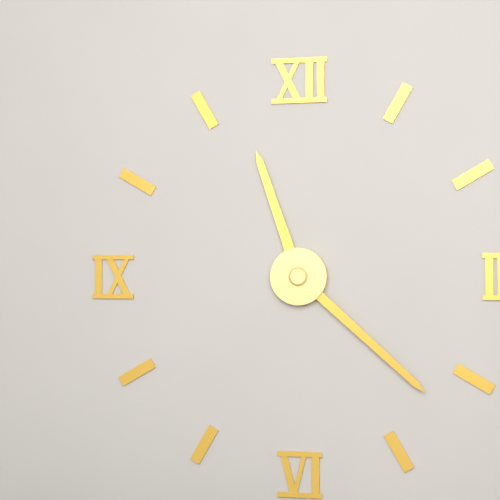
11:22
